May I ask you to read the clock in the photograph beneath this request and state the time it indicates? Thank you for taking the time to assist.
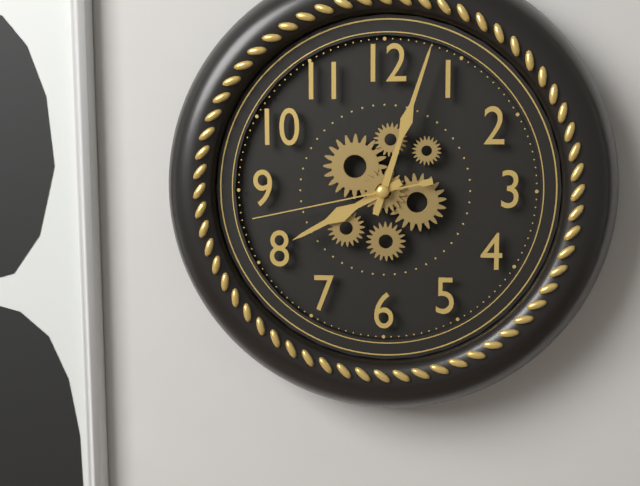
8:03:43
